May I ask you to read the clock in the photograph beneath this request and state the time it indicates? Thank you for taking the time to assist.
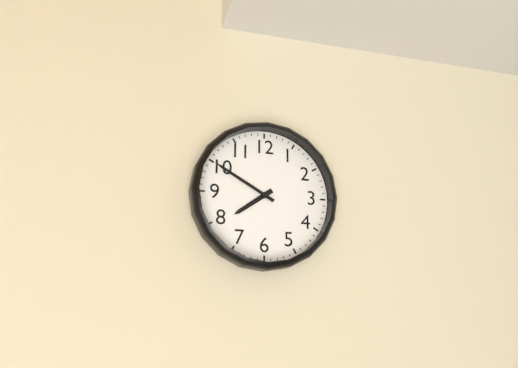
7:50
